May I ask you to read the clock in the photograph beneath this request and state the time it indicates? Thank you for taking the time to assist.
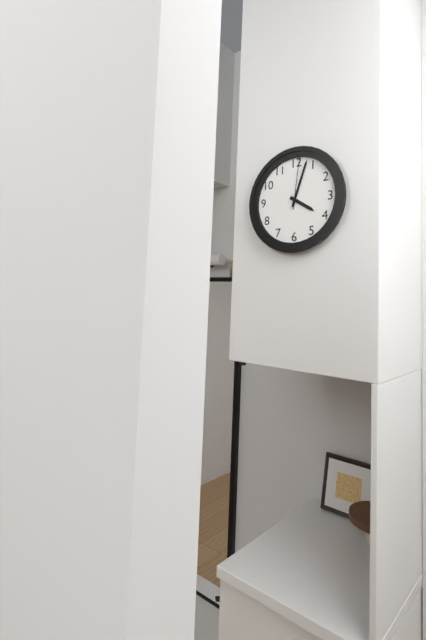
4:03:01
